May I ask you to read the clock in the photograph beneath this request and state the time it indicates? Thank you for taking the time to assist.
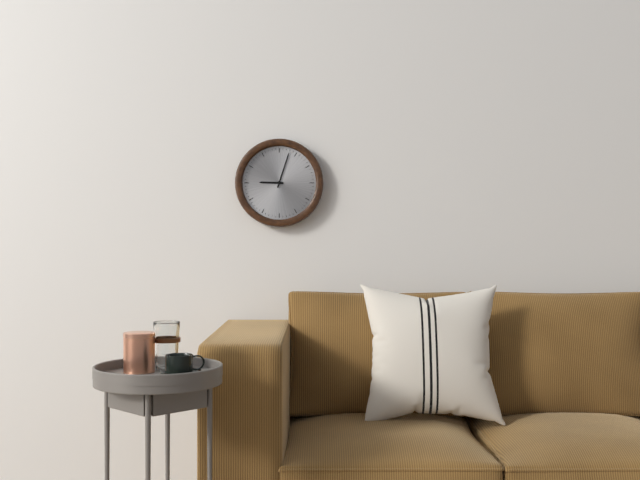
9:03
